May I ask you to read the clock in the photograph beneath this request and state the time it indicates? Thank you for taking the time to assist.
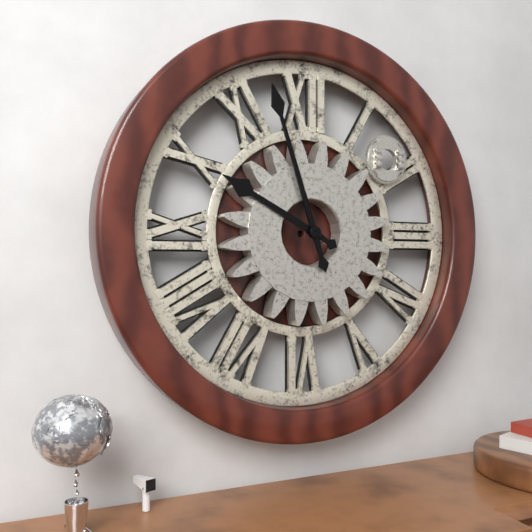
9:57
